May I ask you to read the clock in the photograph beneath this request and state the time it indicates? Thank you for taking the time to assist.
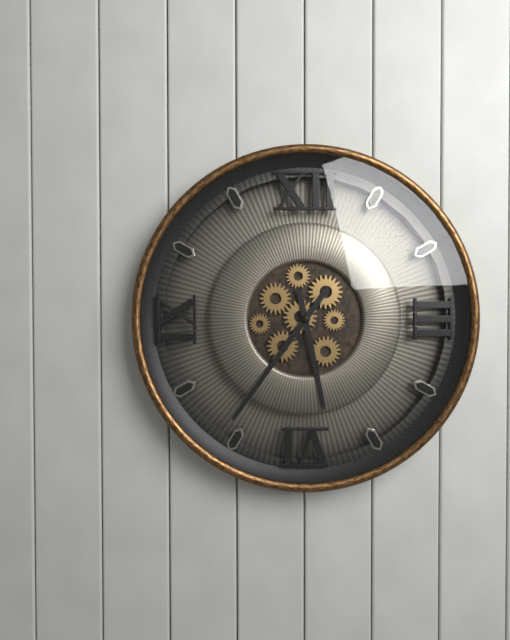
5:36
